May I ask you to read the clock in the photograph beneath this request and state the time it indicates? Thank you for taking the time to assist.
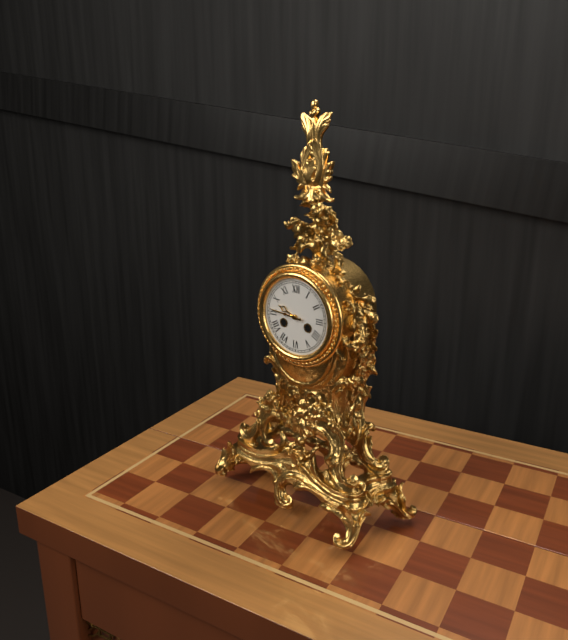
9:46
